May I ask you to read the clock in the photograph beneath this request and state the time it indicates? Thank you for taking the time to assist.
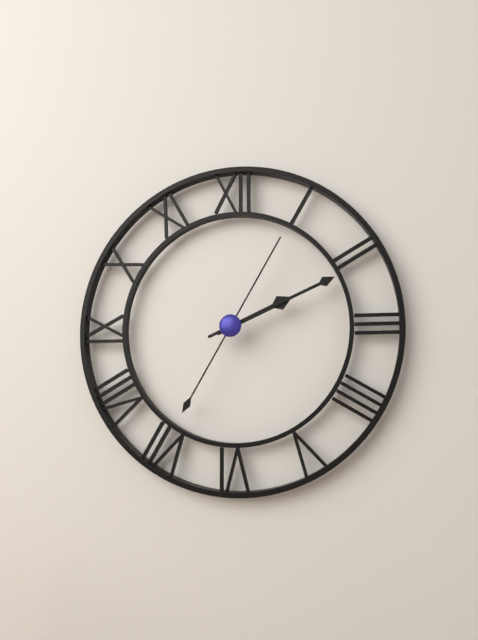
2:11:05
